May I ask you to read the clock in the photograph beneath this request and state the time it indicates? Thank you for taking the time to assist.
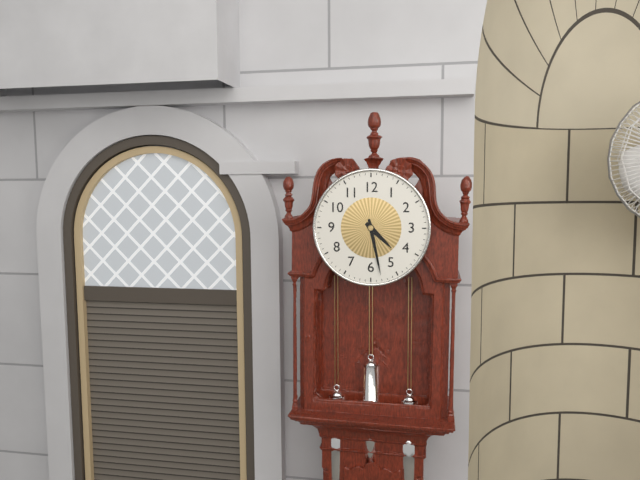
4:28
